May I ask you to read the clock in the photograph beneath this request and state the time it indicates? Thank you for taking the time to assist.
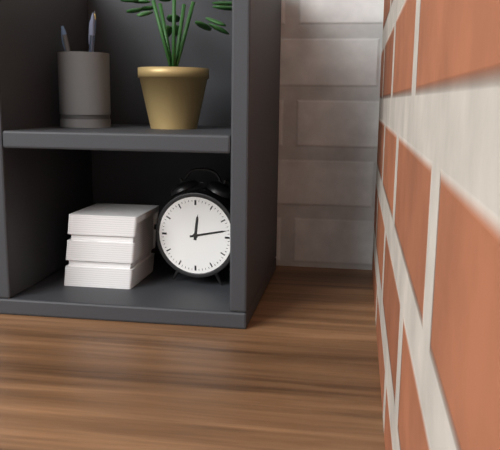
12:13
